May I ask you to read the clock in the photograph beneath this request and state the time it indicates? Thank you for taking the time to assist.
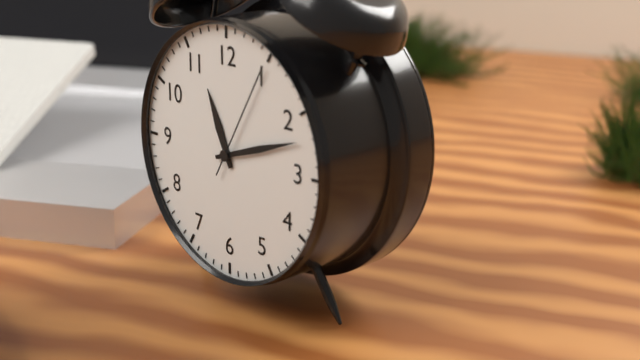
11:12:05
